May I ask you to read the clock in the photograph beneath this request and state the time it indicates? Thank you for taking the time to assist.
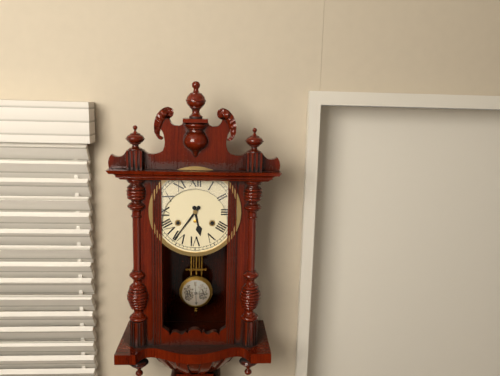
5:36
